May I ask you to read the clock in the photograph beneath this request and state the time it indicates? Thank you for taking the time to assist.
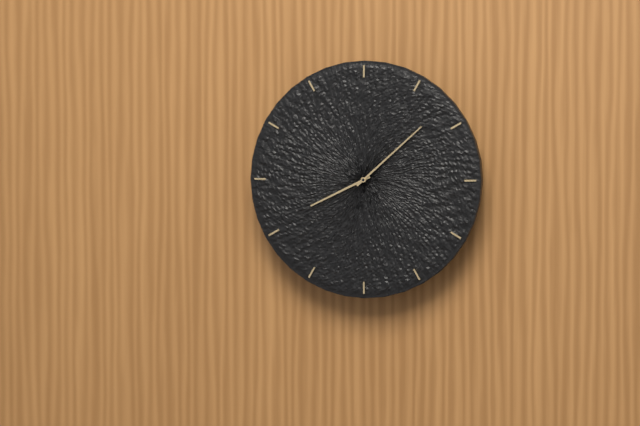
8:08
